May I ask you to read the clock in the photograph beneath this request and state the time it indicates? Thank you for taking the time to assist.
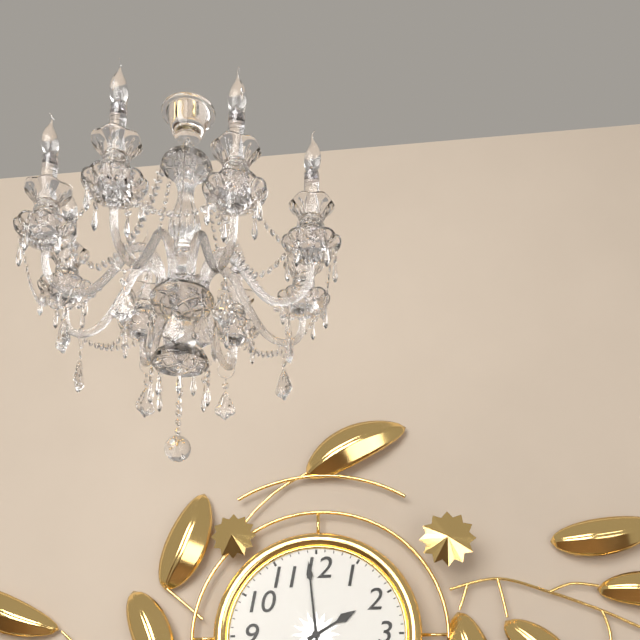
1:59
